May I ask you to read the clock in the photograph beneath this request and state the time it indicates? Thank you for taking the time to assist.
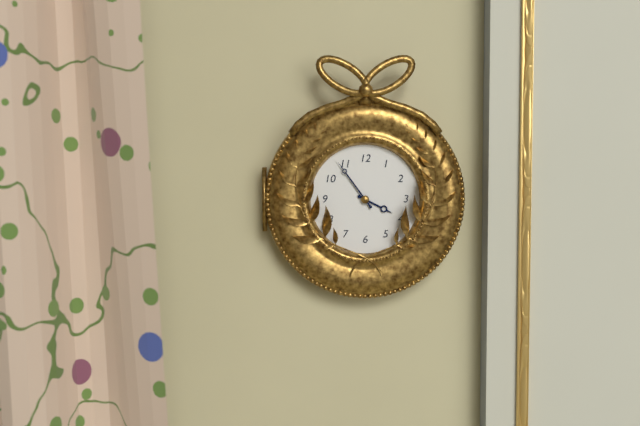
3:54
